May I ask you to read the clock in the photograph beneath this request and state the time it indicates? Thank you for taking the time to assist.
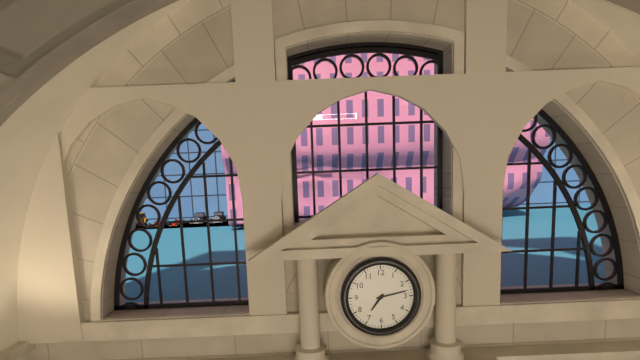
7:13
